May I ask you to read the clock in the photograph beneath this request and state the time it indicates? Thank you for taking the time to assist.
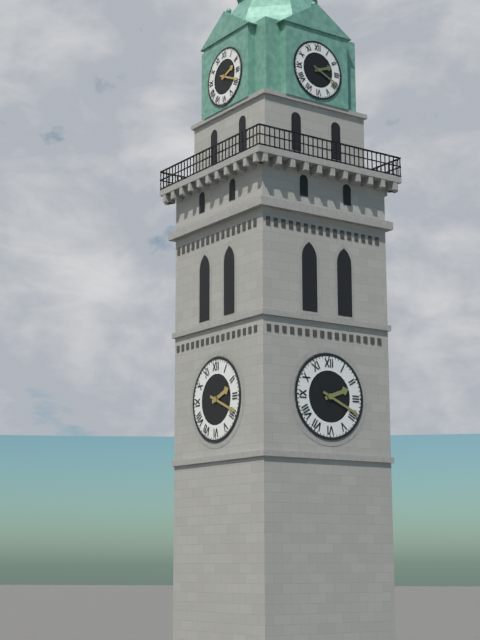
2:19
